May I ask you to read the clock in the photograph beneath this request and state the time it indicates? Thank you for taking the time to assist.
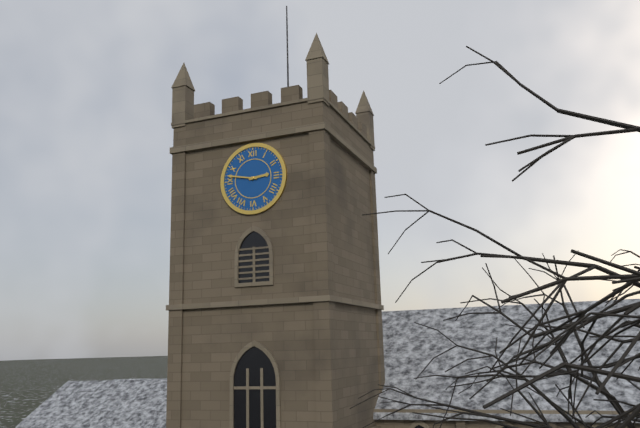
2:47
